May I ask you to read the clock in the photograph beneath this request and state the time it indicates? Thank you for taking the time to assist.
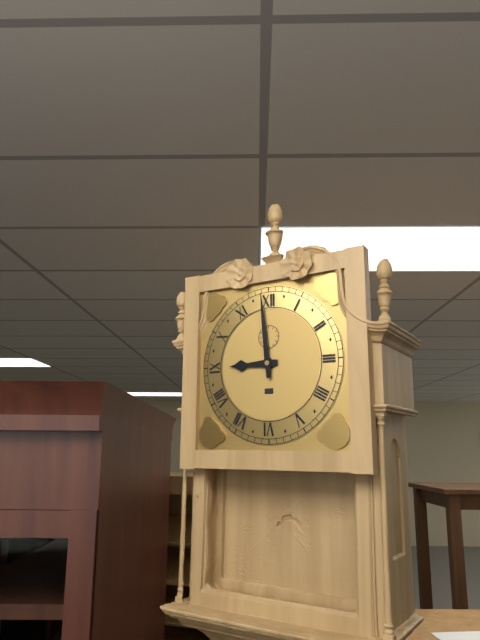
8:59
